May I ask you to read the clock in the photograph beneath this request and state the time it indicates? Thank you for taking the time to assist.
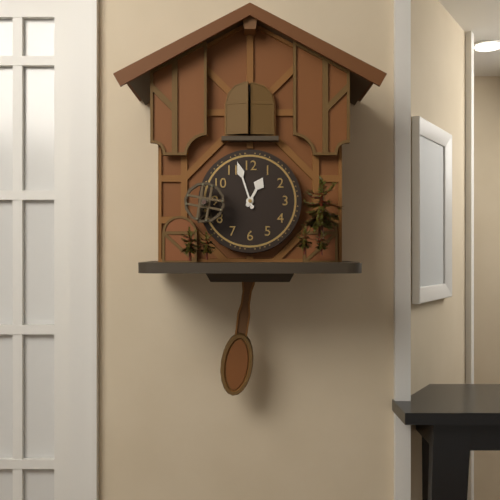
12:57
